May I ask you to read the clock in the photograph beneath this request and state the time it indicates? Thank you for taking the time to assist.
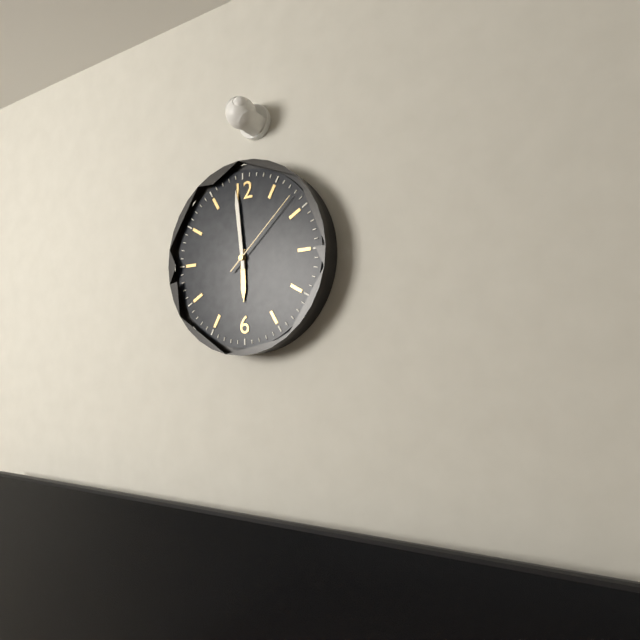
5:59:08
